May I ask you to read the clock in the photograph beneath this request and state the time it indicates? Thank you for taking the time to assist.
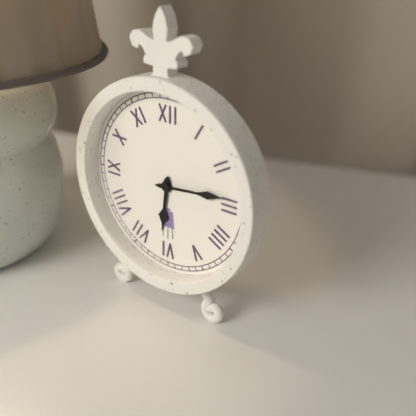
6:14
